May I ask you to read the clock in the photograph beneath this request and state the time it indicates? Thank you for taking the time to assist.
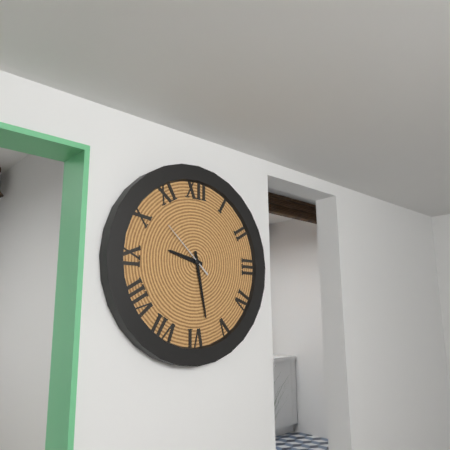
9:28:52
